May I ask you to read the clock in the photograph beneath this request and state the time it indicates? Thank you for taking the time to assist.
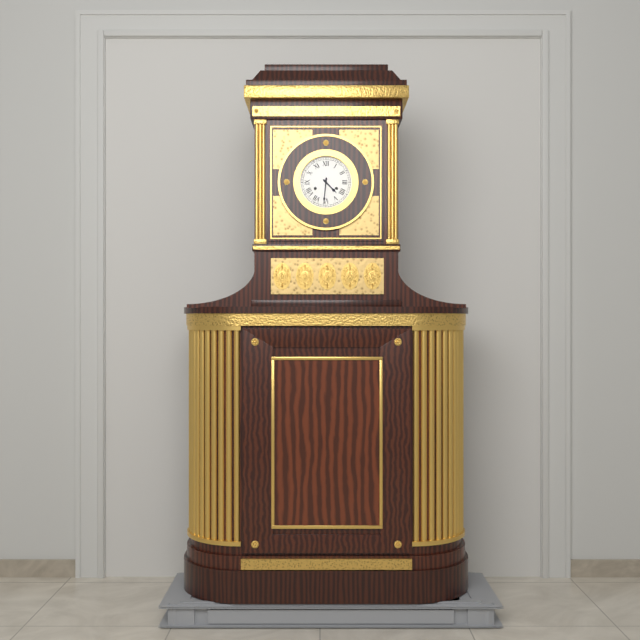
4:31
